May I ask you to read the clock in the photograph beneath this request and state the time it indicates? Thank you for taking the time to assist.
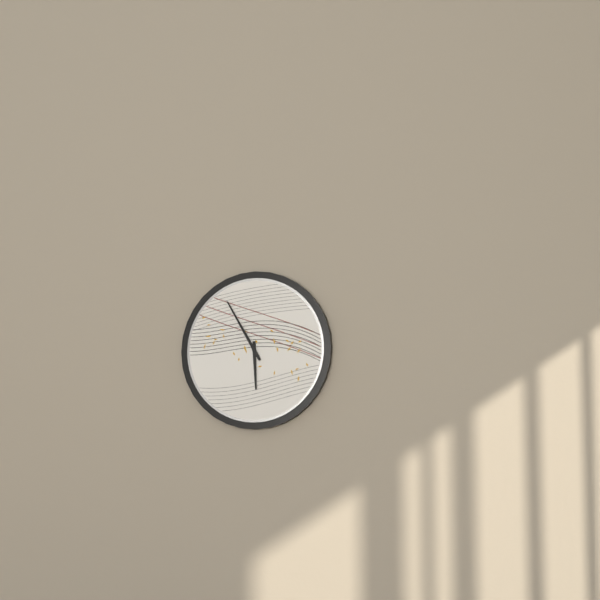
5:55
